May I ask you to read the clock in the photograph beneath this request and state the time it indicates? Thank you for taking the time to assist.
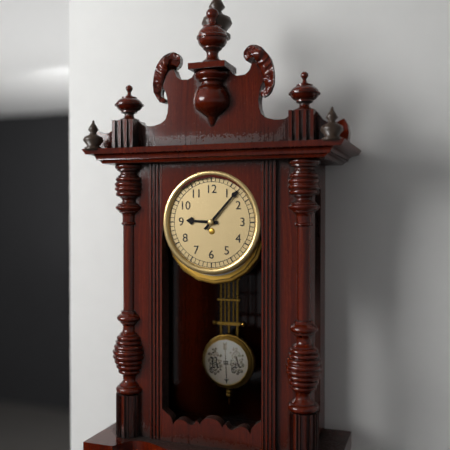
9:07
